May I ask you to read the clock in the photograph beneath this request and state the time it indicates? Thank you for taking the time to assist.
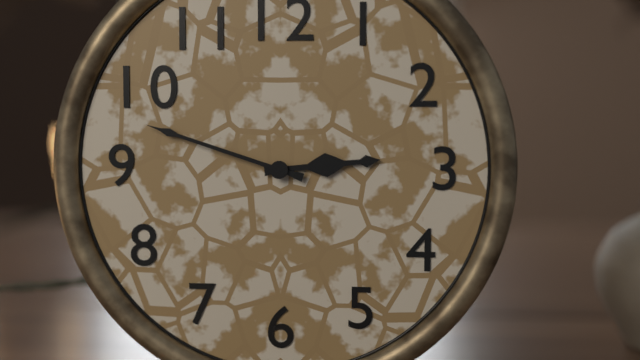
2:48
